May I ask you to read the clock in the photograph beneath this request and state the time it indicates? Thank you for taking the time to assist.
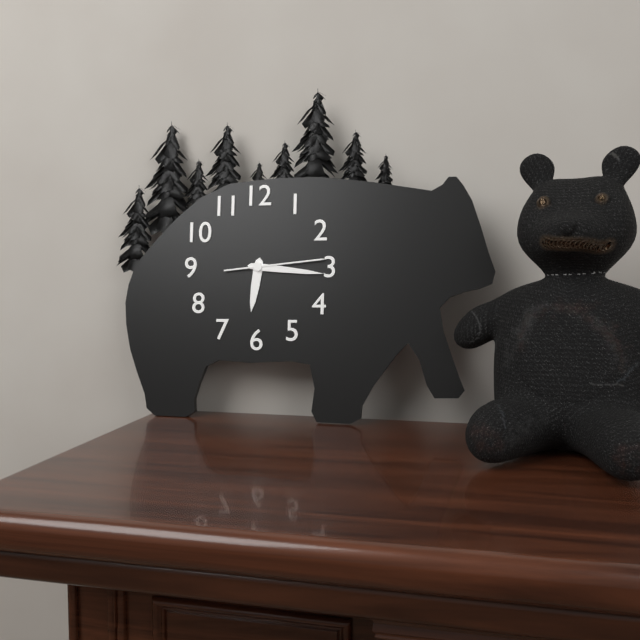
6:16:14
